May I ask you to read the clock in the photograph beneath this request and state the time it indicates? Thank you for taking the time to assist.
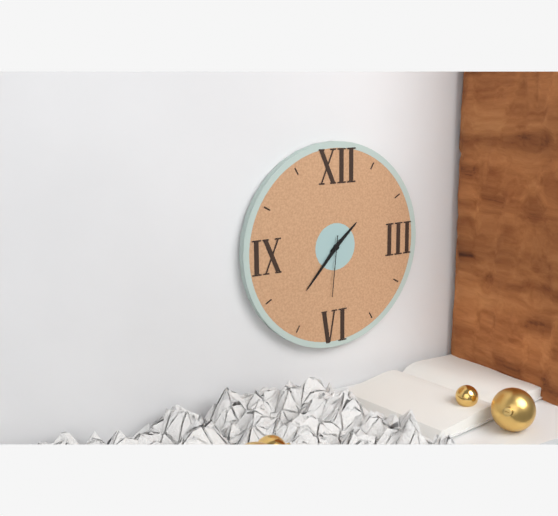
1:37:31
